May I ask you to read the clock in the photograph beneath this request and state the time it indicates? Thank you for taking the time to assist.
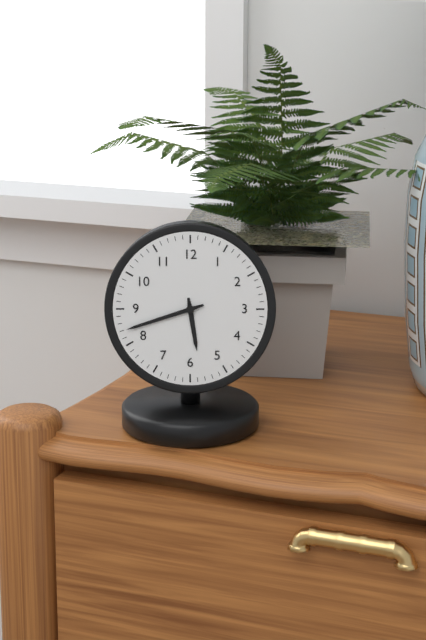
5:42
